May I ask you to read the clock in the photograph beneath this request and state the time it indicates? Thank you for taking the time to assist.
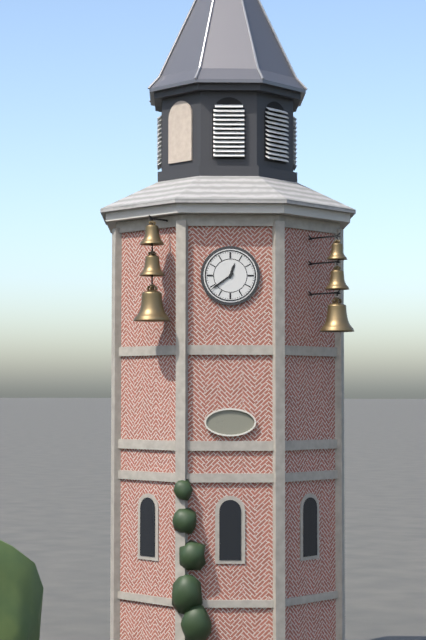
12:39
